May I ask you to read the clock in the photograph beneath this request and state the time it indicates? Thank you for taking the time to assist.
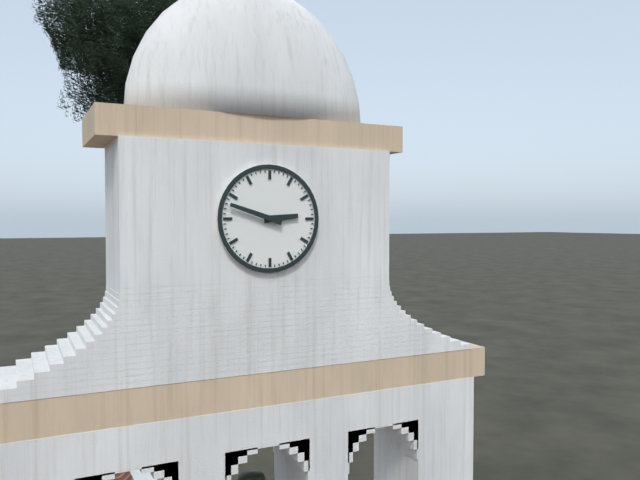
2:48
